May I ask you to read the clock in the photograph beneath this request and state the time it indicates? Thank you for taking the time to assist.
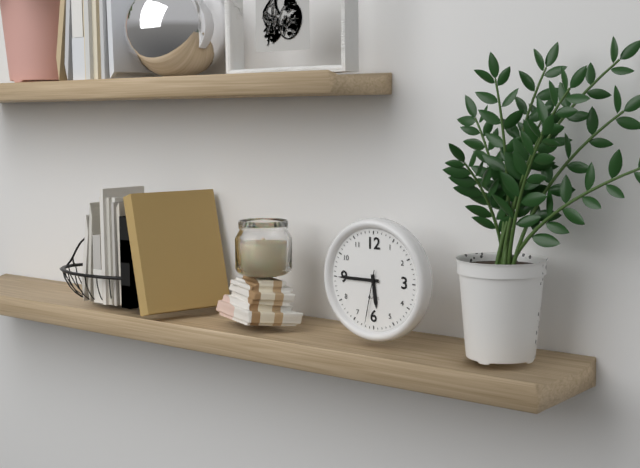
5:45:32
